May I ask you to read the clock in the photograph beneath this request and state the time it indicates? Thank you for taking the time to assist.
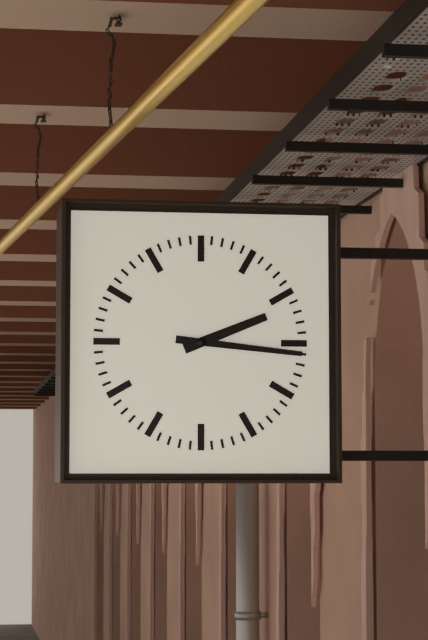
2:16
